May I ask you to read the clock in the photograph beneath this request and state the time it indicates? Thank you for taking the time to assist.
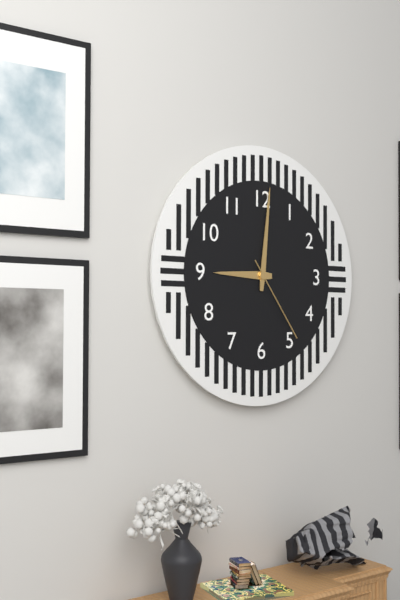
9:01:24
